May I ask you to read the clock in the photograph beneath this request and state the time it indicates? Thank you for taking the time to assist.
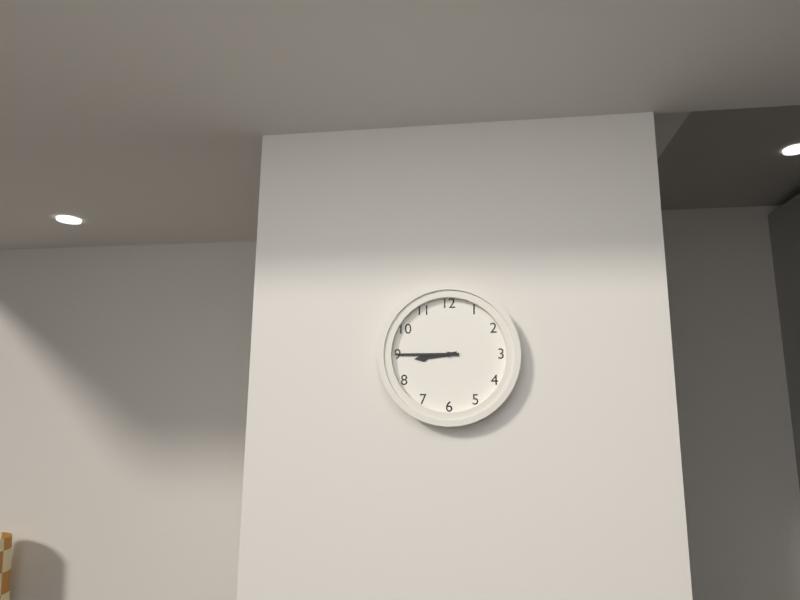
8:45
